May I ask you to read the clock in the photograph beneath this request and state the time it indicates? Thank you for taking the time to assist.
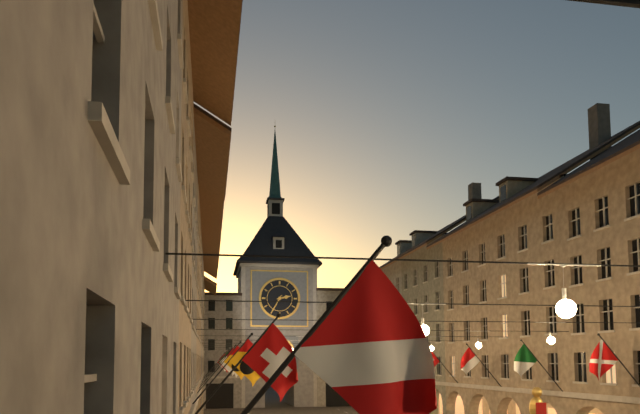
2:35
